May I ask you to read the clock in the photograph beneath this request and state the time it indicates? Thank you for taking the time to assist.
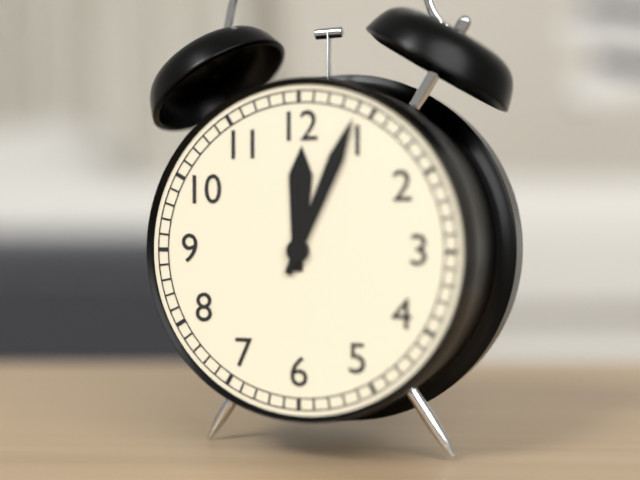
12:04
